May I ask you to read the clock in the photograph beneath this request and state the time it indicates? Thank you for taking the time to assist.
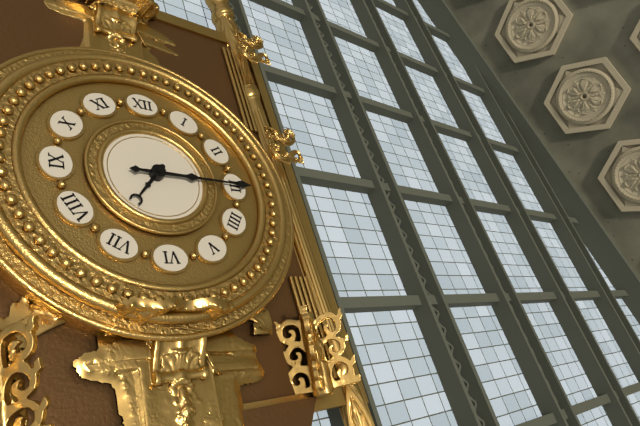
7:15
